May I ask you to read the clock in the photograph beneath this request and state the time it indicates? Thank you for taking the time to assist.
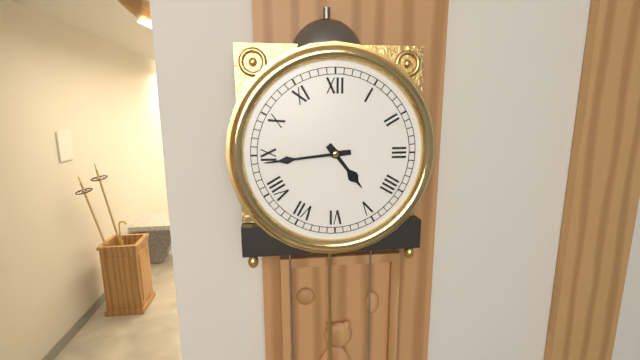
4:44
